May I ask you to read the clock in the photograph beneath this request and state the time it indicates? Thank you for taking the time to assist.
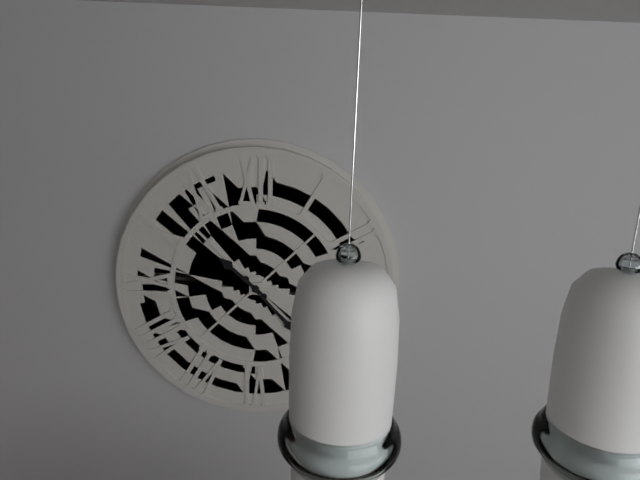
10:23
